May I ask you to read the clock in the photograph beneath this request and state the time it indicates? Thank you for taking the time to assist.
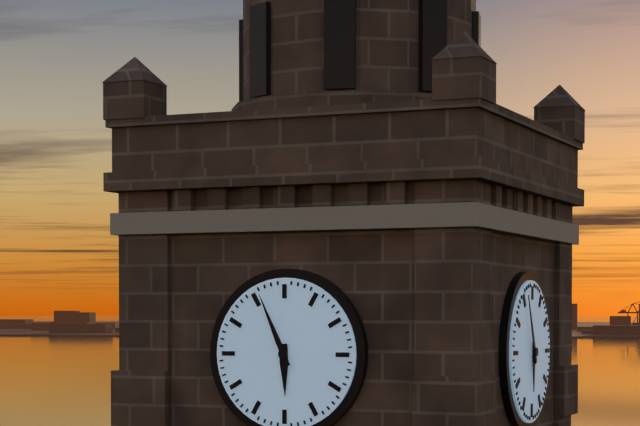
5:56
